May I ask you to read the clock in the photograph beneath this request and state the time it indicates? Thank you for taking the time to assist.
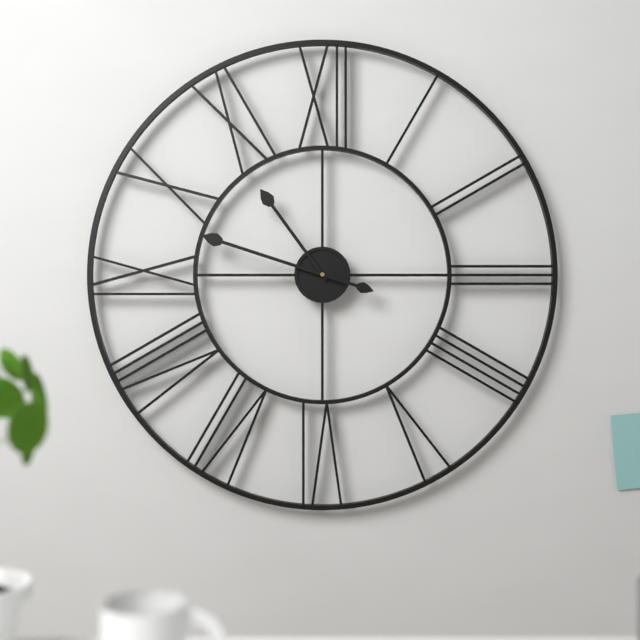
10:48
